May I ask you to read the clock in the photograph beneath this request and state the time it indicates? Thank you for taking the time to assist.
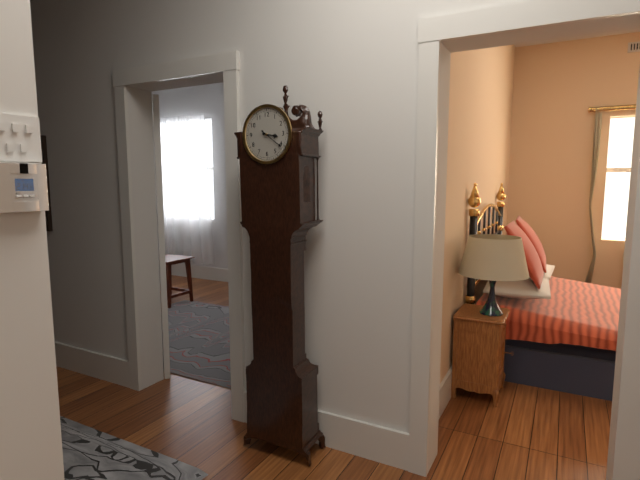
3:21
